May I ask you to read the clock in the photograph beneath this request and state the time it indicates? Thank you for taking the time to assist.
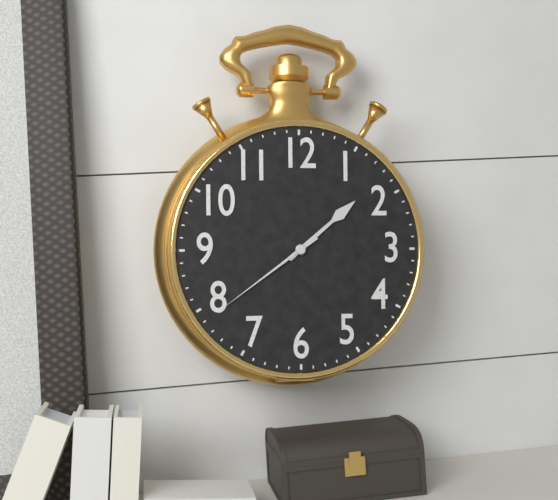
1:39
